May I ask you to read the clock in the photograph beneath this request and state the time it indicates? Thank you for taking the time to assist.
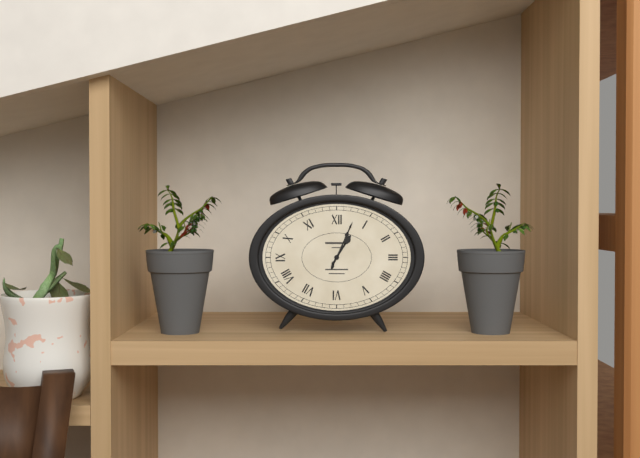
1:04
